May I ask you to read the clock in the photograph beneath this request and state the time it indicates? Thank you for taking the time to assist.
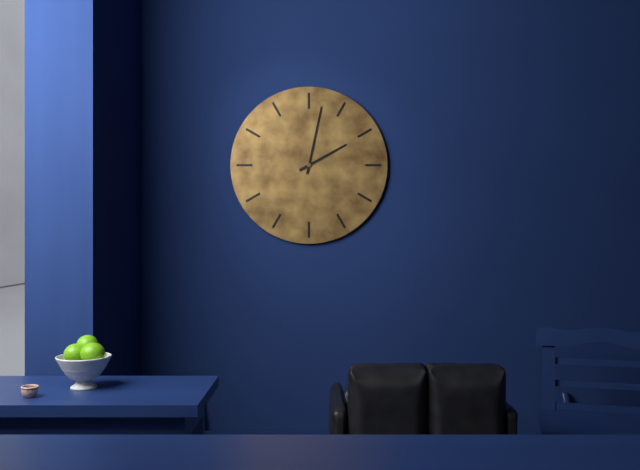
2:02
